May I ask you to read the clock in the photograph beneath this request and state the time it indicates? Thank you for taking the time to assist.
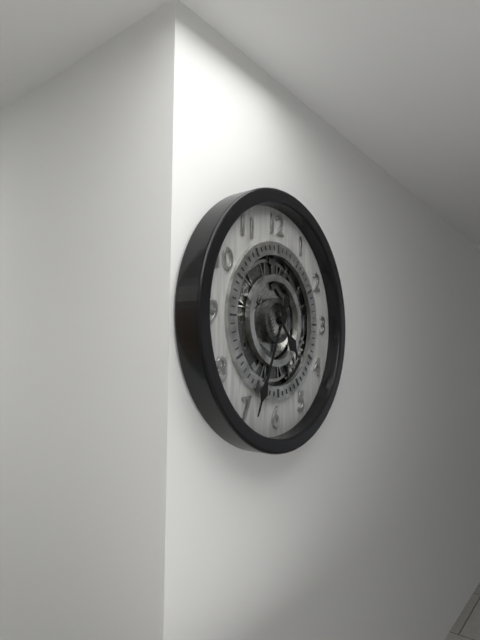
4:34
